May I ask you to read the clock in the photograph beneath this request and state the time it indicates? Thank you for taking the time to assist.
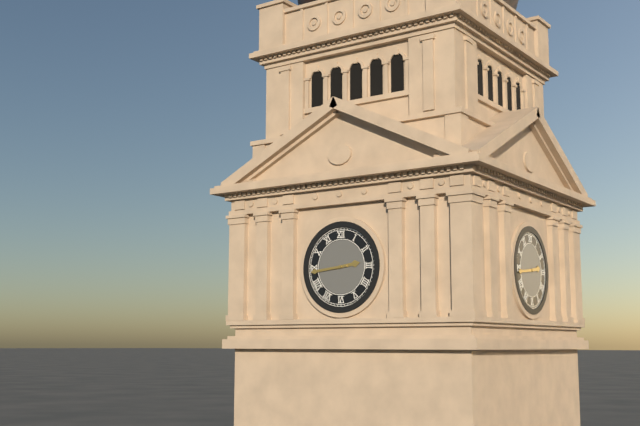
2:44
